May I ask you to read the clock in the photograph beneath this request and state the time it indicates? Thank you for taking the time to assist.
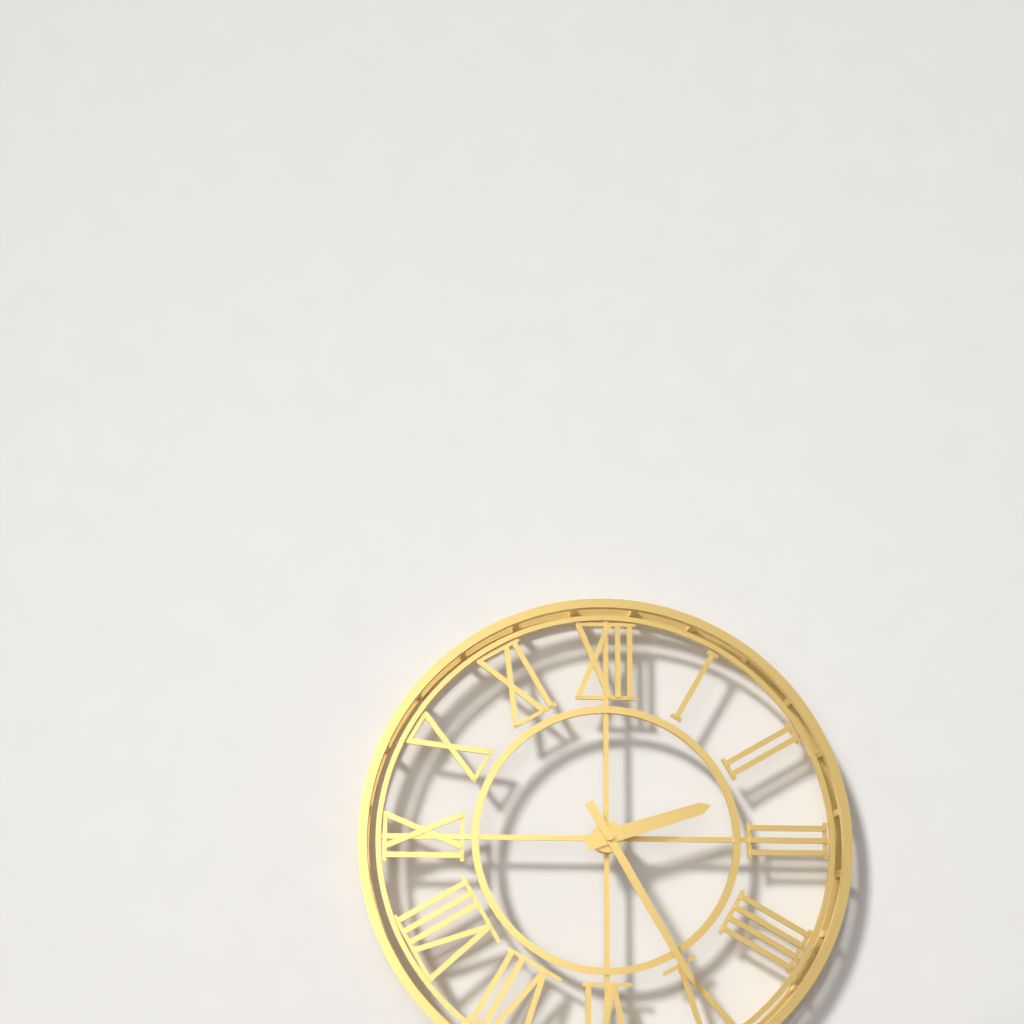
2:25
